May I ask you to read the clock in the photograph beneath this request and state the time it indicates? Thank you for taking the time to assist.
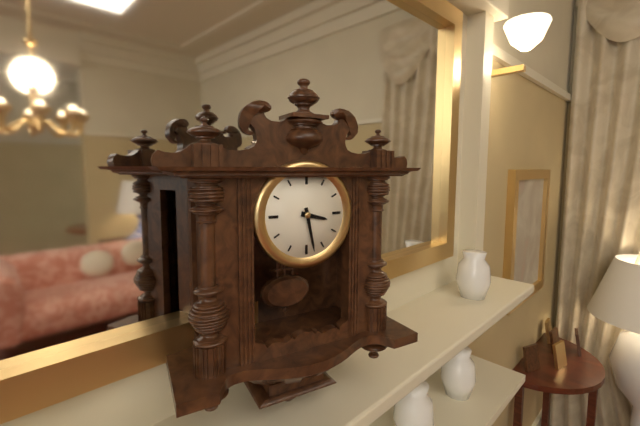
3:28
